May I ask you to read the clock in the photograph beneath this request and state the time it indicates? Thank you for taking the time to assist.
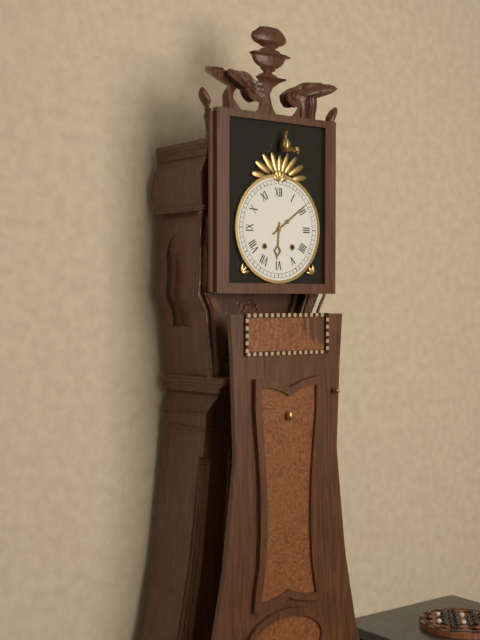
6:09
